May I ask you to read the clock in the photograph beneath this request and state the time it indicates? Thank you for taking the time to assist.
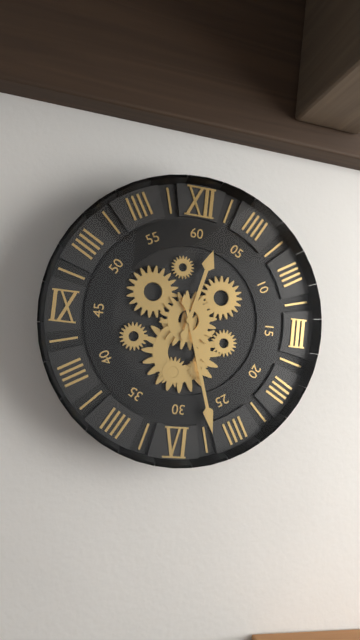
12:27
